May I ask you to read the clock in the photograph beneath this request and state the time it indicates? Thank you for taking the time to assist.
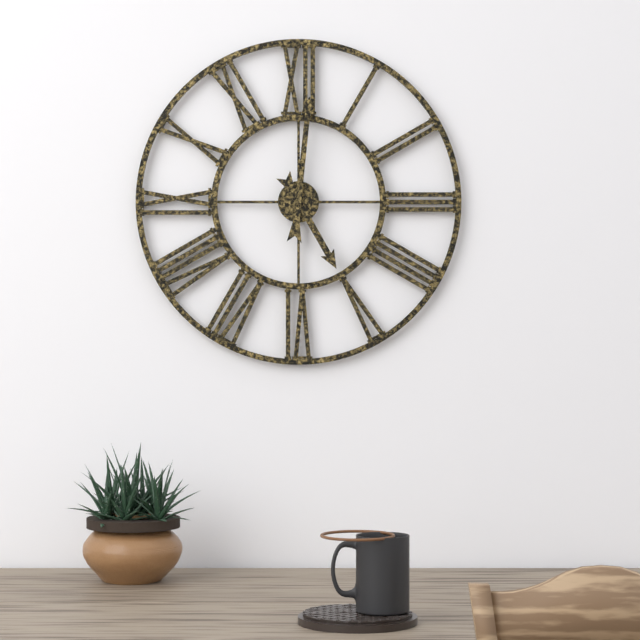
5:01
